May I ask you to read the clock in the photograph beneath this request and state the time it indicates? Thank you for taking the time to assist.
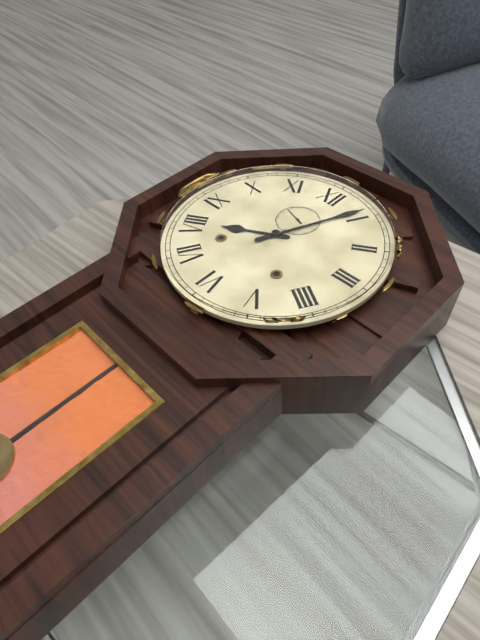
8:04:48
